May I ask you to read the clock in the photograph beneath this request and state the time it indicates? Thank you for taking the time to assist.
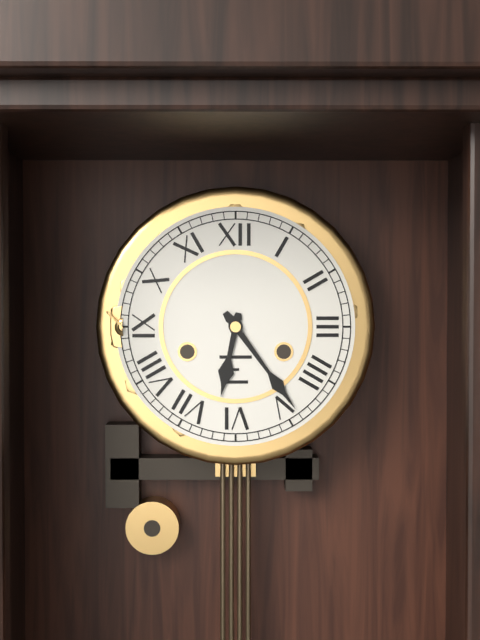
6:24
